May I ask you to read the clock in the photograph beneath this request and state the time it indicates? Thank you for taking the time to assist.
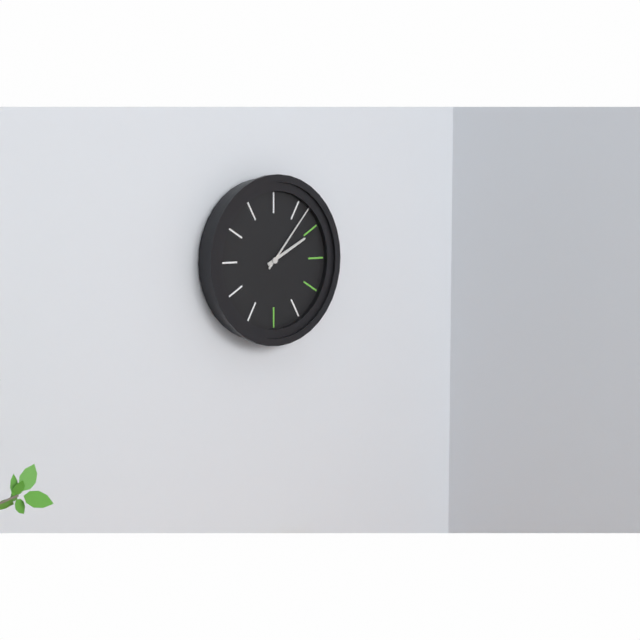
2:07
